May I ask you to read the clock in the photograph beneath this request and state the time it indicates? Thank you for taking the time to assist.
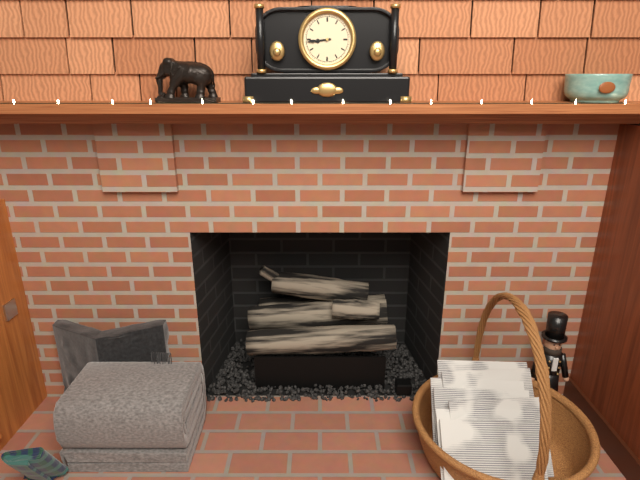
8:44
